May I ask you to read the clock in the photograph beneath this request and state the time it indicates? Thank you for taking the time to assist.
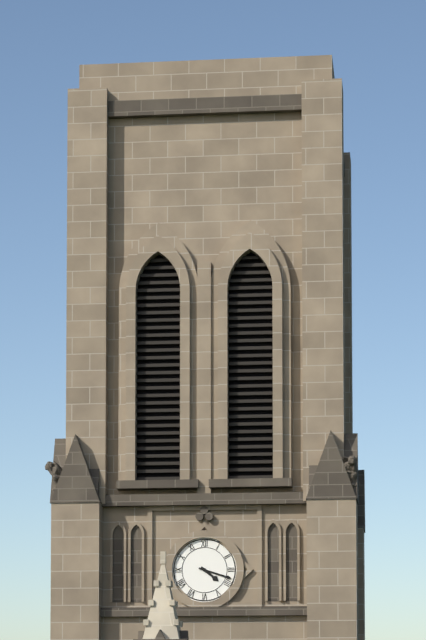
4:18
